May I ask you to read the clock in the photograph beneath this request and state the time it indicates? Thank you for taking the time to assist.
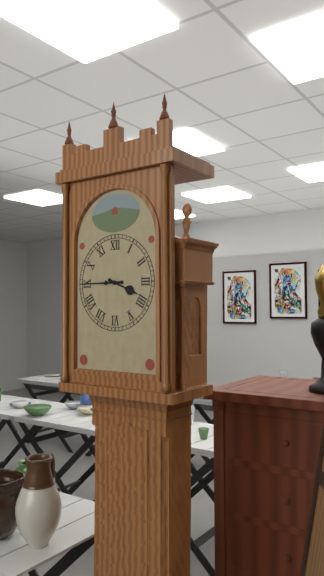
3:45
